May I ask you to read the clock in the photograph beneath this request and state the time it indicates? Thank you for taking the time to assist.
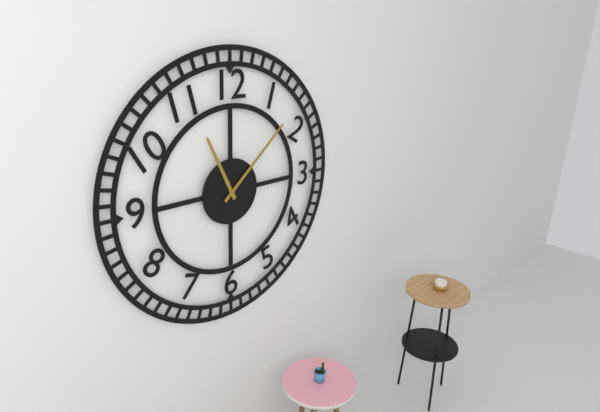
11:08
